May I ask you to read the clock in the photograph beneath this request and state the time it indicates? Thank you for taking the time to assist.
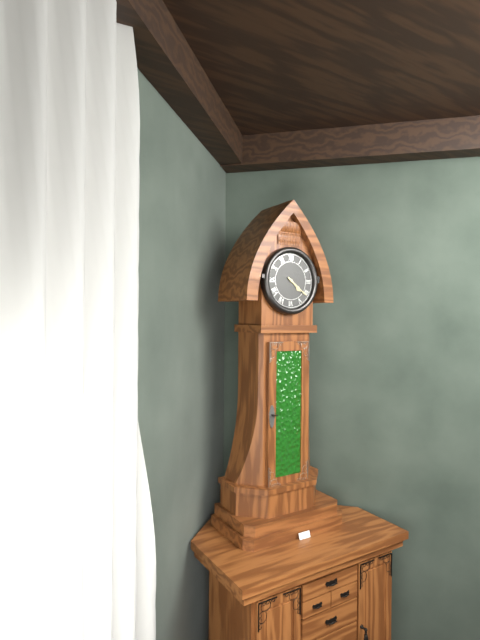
4:21
